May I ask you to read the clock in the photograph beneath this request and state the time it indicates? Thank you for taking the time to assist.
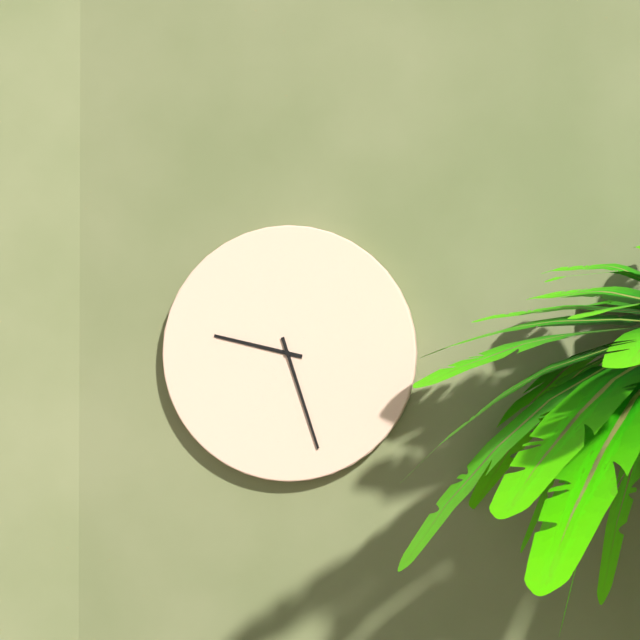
9:27
